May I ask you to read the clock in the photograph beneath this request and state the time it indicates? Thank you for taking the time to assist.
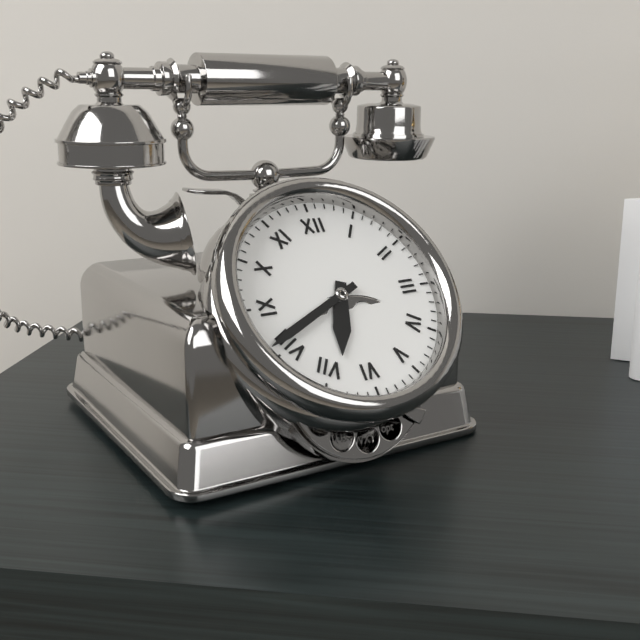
6:41
